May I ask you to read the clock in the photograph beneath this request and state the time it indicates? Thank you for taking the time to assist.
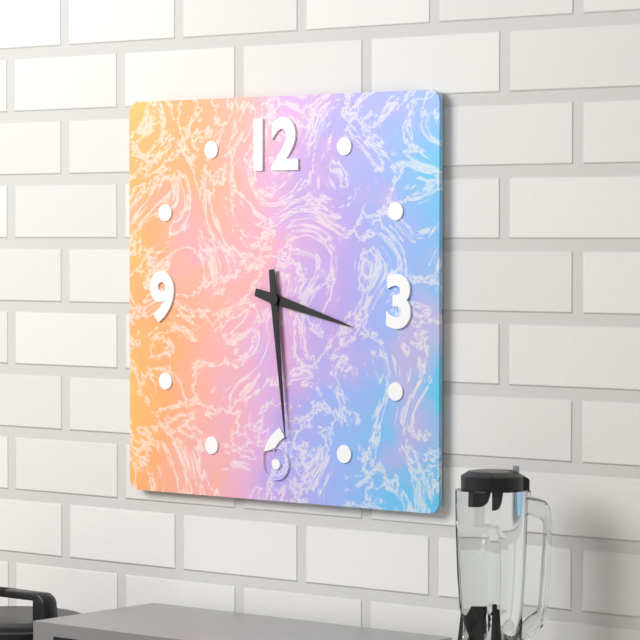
3:29
